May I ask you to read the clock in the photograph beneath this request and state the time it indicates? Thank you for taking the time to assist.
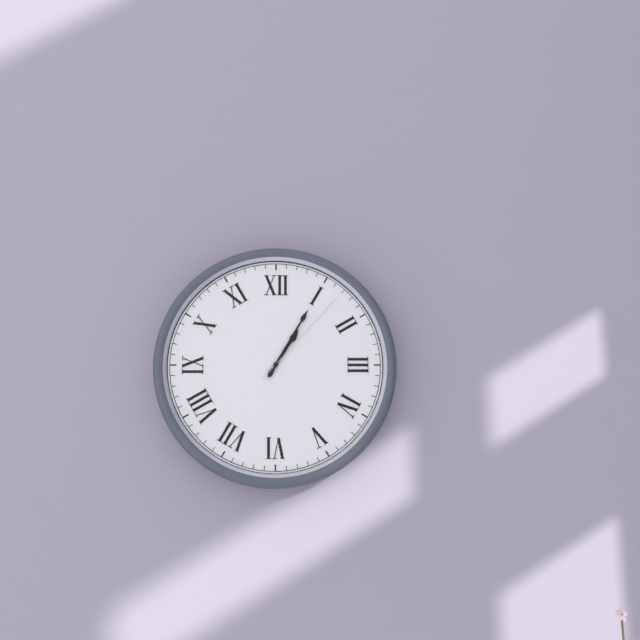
1:05:07
